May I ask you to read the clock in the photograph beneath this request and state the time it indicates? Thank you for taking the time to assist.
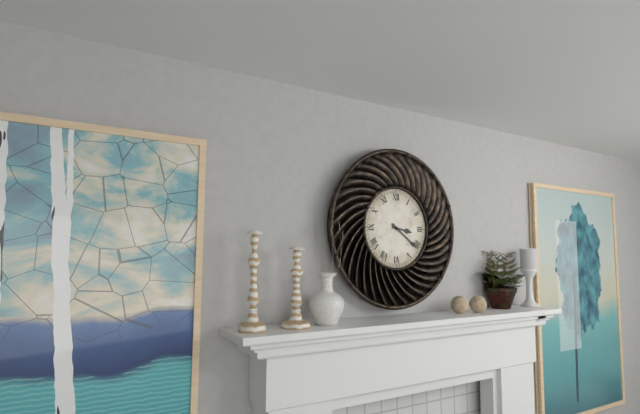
3:21
